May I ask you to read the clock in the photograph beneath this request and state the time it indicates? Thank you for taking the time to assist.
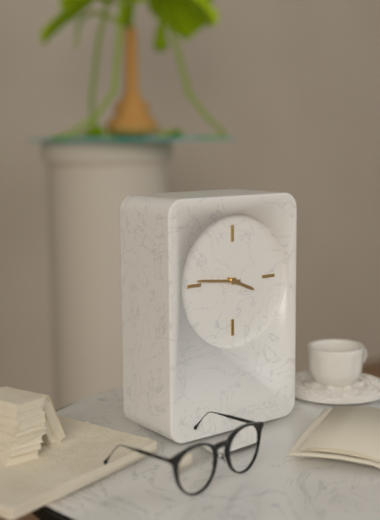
3:46
